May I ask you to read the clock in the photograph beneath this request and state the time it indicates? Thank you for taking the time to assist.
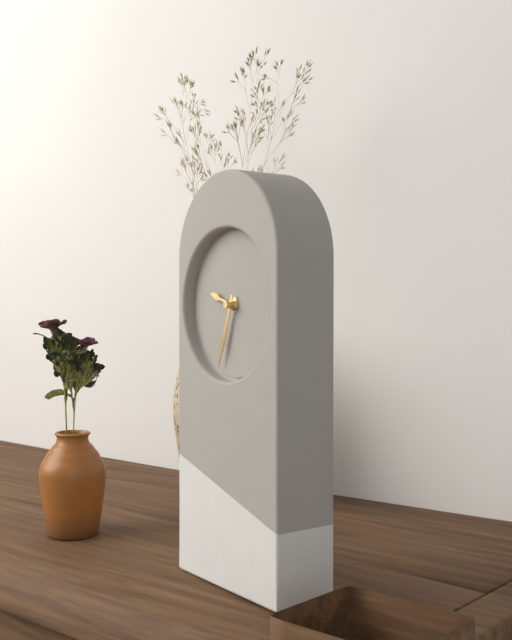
9:33
